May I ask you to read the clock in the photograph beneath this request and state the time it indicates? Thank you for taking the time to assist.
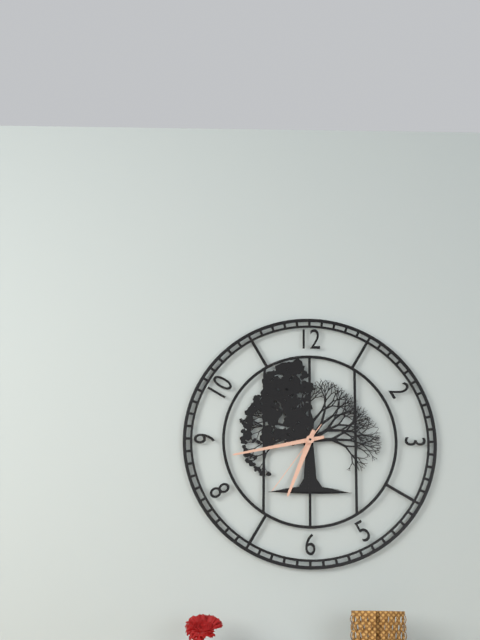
6:43:36
